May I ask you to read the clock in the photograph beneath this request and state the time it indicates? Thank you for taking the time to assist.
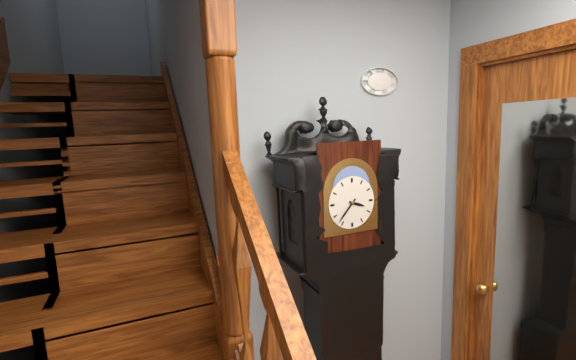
3:37
